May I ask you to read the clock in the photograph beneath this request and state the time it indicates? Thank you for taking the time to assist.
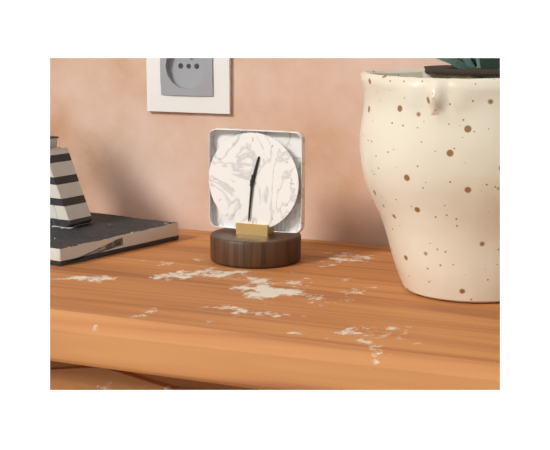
12:31
